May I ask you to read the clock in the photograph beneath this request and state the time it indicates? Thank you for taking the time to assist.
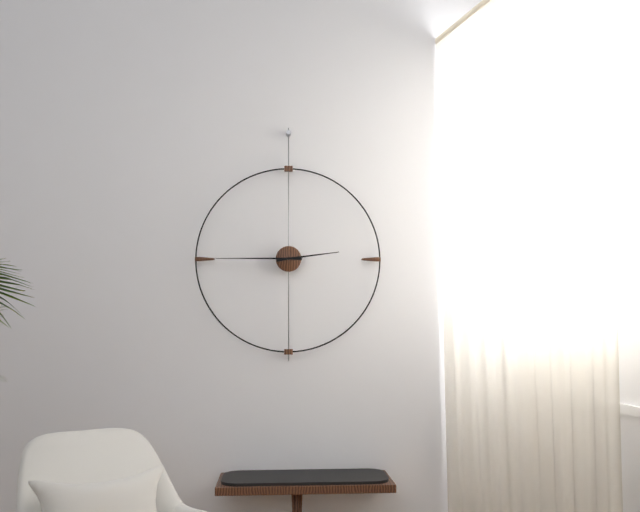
2:45
